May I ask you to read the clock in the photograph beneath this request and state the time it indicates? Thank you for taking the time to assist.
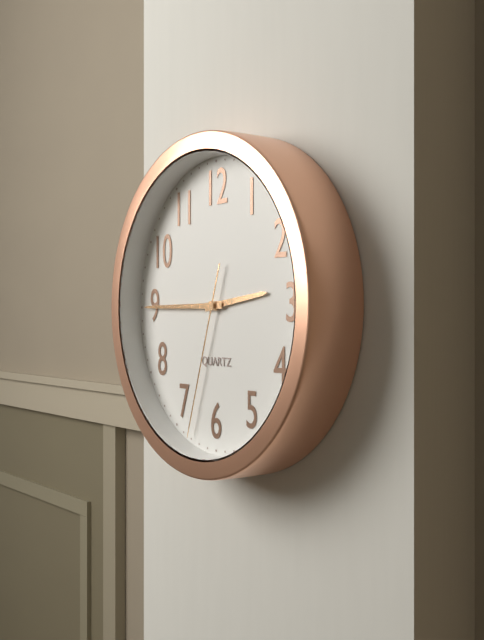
2:45:33
